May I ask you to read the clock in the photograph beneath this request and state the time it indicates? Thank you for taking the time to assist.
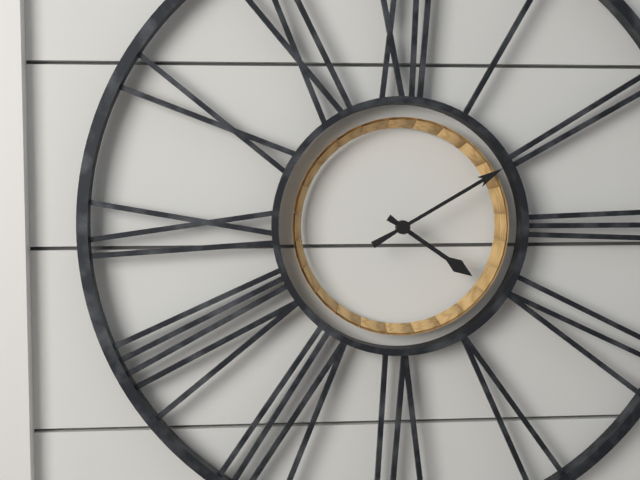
4:10
